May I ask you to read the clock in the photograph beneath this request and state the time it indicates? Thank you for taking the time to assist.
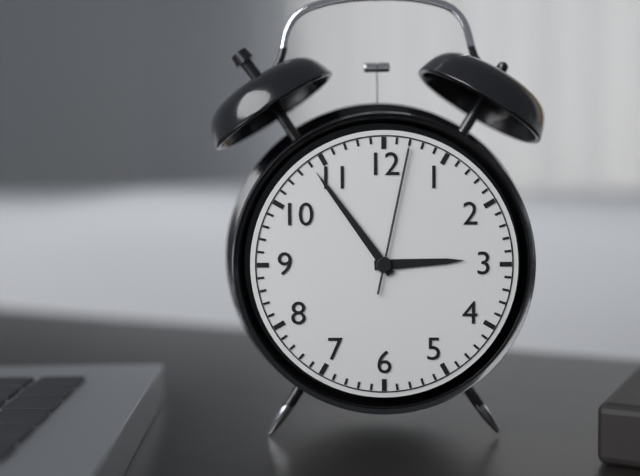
2:54:02
